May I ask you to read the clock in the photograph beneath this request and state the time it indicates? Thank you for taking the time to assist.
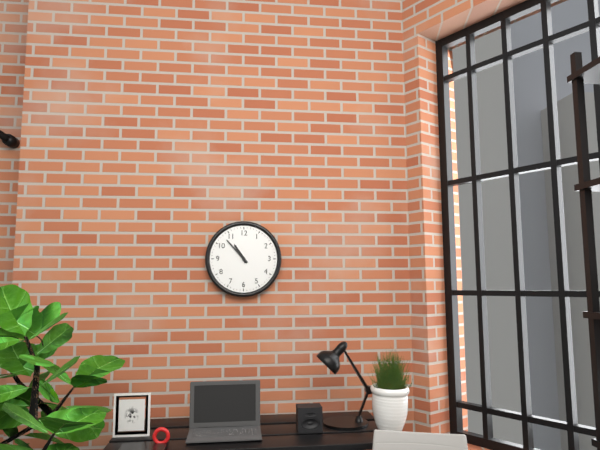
10:53
